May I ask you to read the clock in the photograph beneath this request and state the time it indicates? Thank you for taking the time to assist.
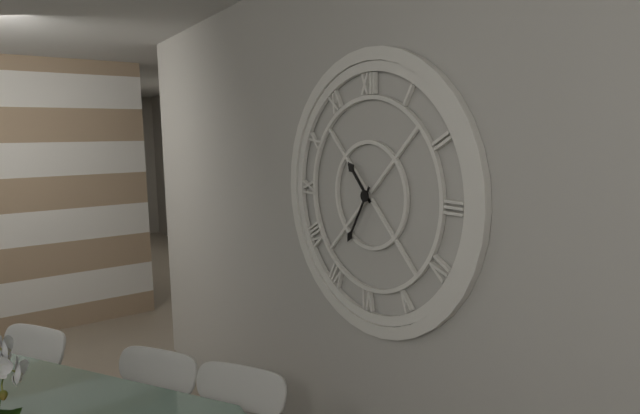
10:35
